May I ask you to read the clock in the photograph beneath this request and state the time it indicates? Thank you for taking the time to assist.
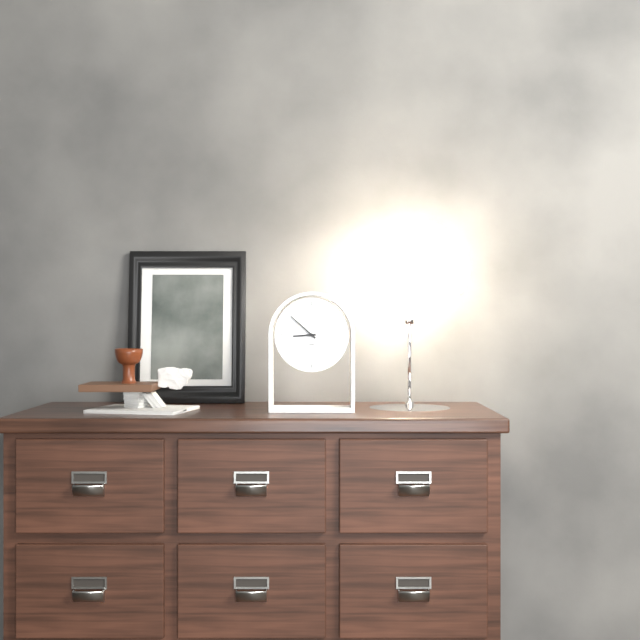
8:52
